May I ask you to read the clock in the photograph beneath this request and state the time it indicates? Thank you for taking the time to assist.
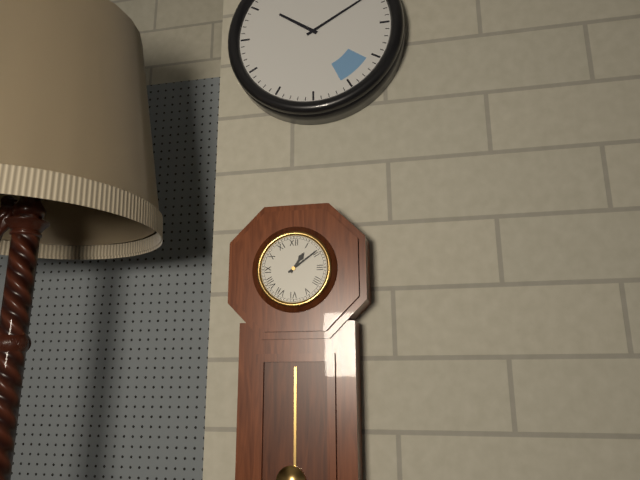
1:09
